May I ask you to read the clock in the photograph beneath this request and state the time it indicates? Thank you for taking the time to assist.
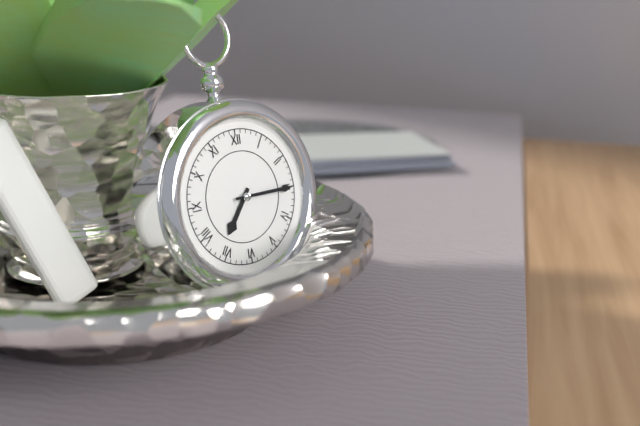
7:15
